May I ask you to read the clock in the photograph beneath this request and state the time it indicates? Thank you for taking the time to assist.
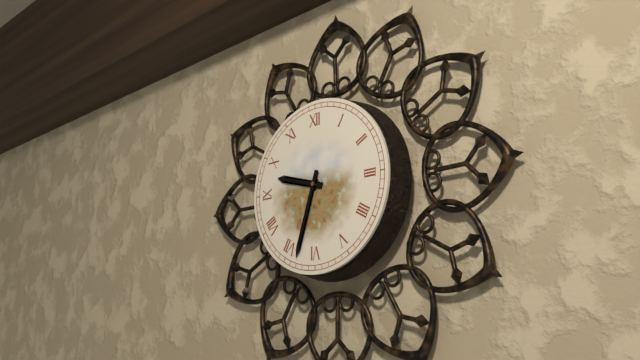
9:33
